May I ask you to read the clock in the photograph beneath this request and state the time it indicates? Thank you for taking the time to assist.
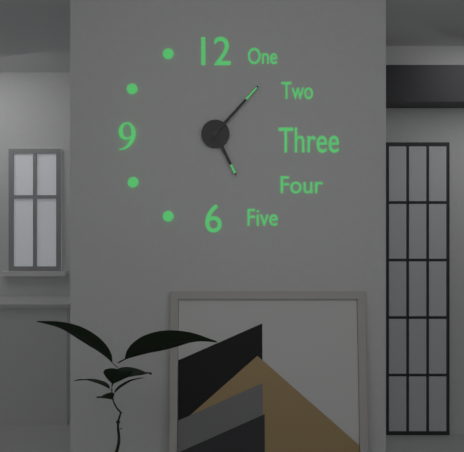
5:07
